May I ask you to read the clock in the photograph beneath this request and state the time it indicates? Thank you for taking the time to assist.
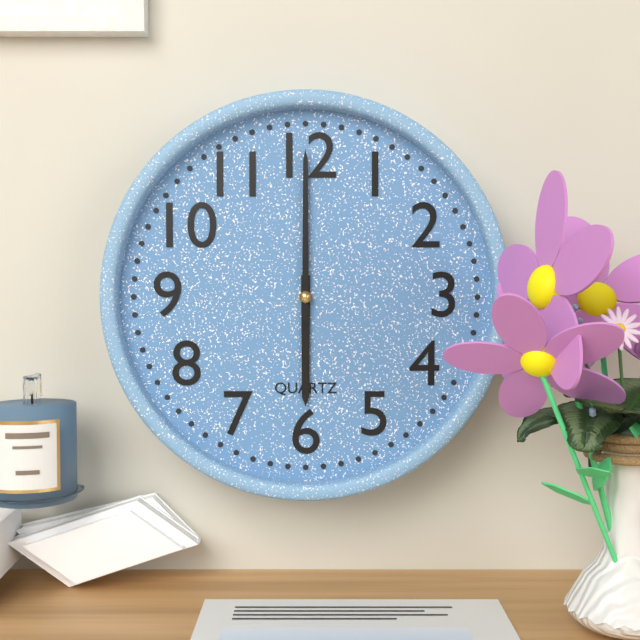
6:00
